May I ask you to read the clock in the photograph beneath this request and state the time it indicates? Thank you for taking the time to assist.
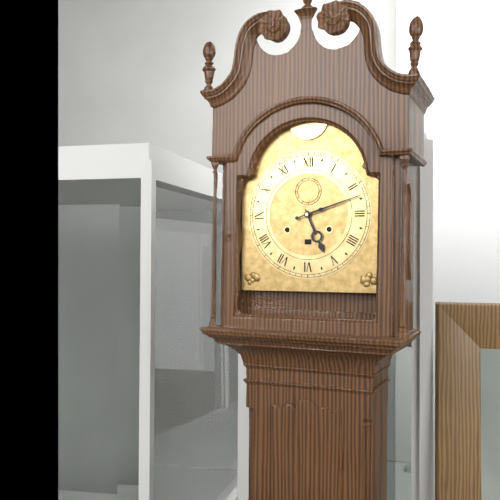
5:12
